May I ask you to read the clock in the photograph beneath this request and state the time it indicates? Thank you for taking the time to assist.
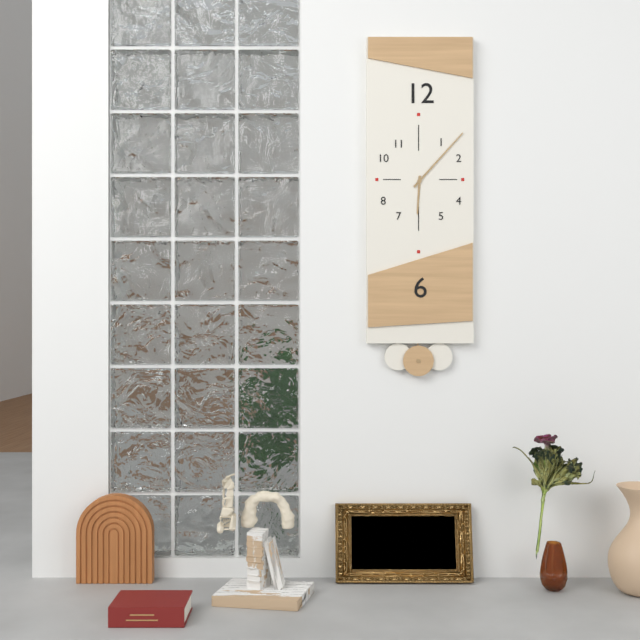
6:07
